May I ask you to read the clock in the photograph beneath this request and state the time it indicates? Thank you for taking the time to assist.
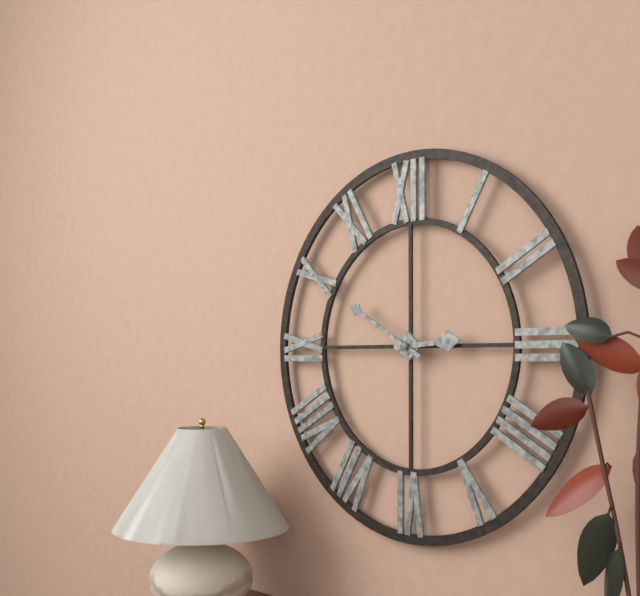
2:50
